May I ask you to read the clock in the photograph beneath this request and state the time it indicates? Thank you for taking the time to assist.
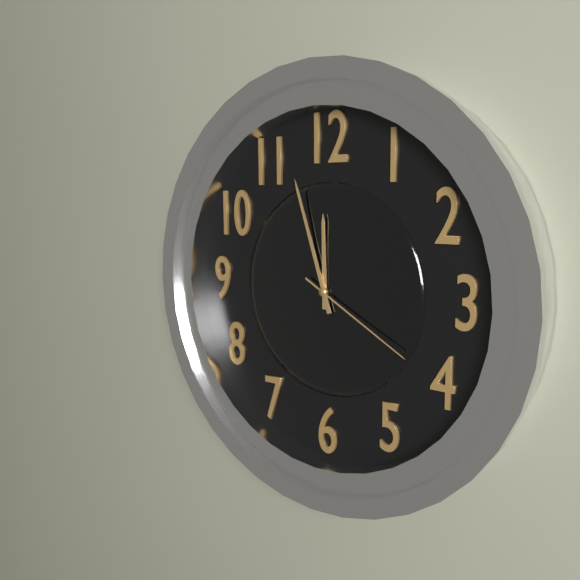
11:57:20
